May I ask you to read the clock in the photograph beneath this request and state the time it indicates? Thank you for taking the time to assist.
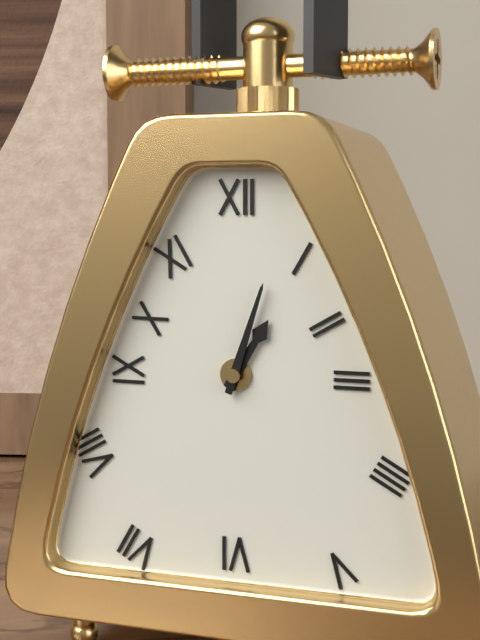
1:03
